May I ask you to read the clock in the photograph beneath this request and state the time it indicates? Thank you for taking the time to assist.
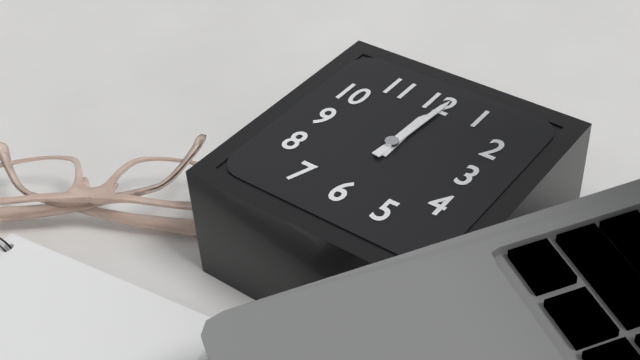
12:01
